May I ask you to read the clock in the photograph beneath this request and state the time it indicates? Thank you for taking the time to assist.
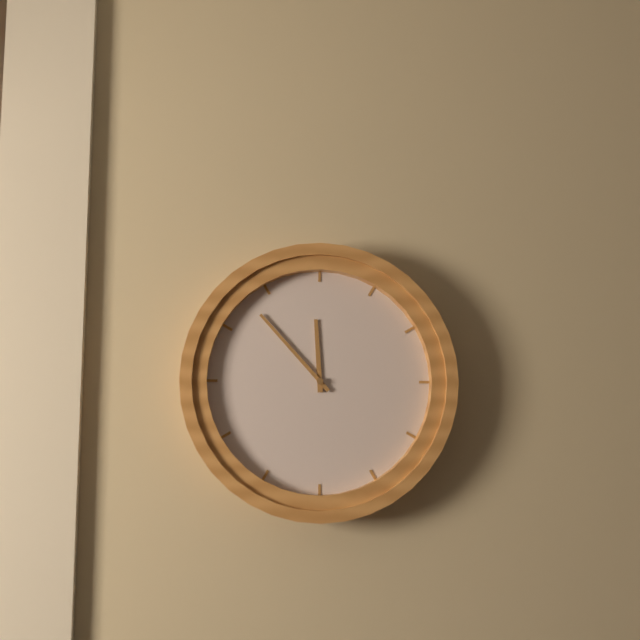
11:53
